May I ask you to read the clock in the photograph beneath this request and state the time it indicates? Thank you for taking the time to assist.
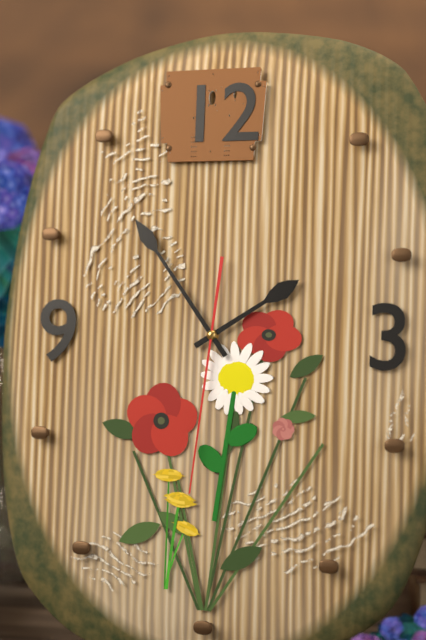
1:54:31
